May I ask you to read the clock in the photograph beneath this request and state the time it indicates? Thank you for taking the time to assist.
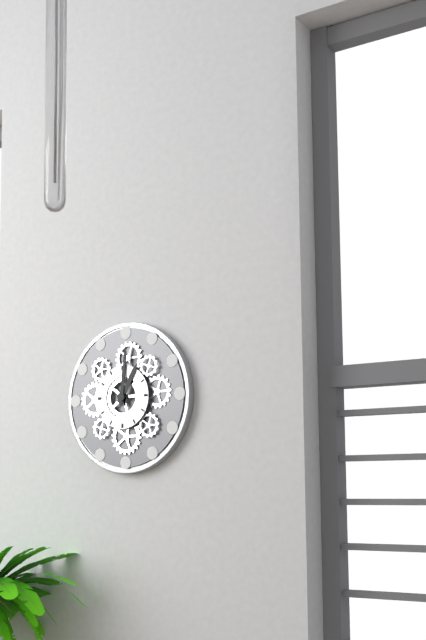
1:01
